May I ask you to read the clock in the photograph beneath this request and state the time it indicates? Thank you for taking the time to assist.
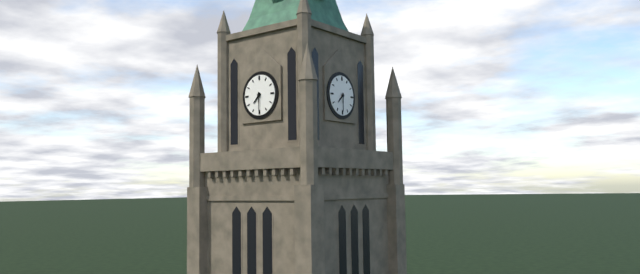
7:30
